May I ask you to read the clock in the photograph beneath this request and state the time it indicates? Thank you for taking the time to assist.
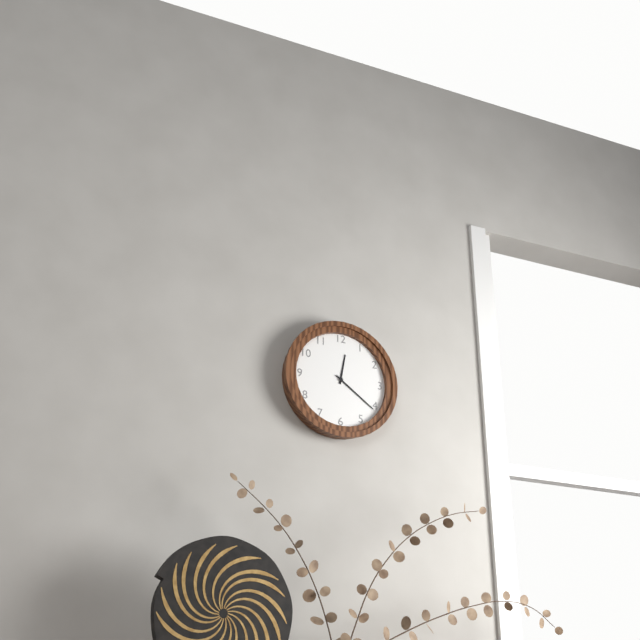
12:21
